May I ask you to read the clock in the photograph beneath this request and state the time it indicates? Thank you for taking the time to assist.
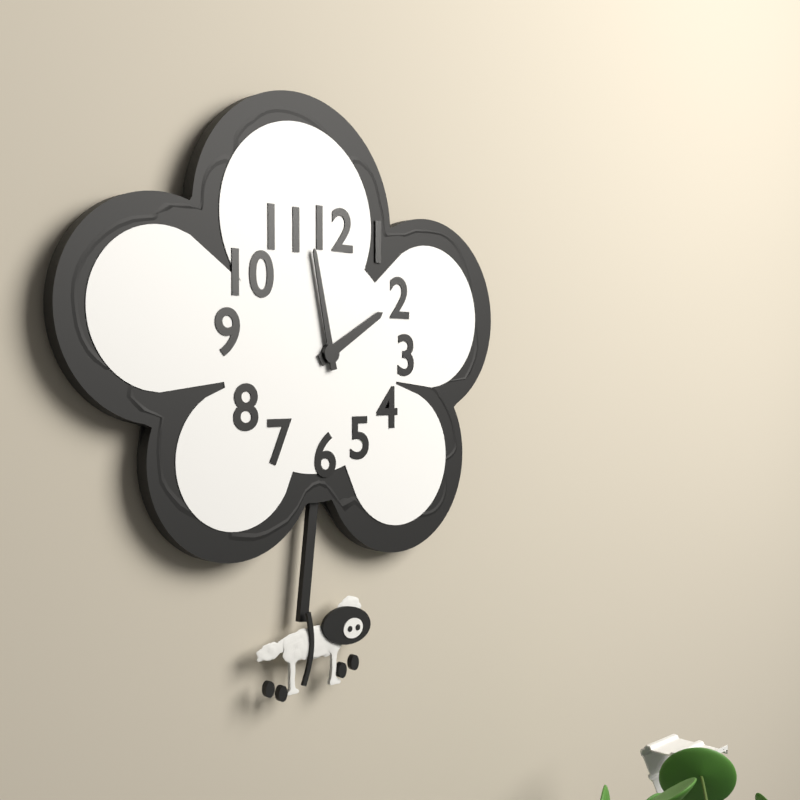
1:58
